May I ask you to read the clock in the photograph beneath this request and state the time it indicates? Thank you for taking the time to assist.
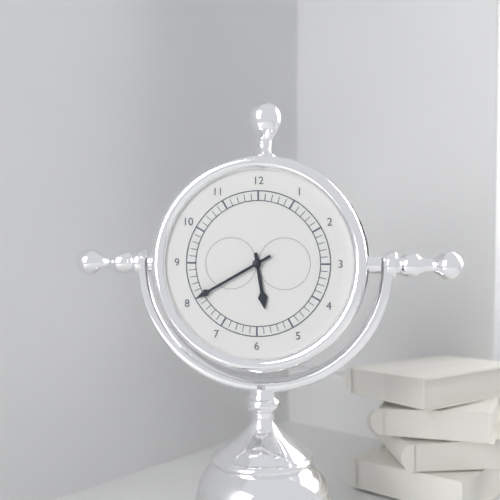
5:40
